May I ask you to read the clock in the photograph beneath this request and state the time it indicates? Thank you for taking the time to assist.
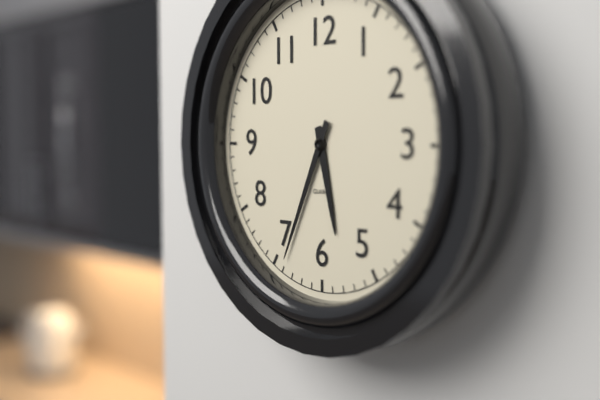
5:34
